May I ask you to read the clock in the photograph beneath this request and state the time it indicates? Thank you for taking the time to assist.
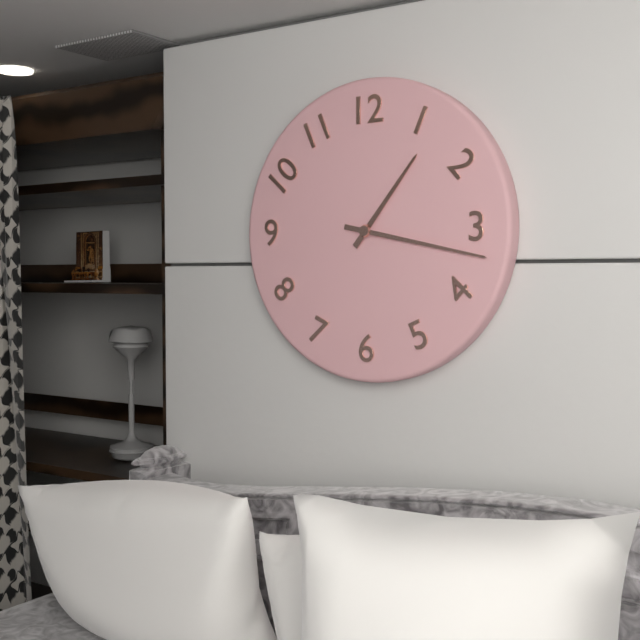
1:17
